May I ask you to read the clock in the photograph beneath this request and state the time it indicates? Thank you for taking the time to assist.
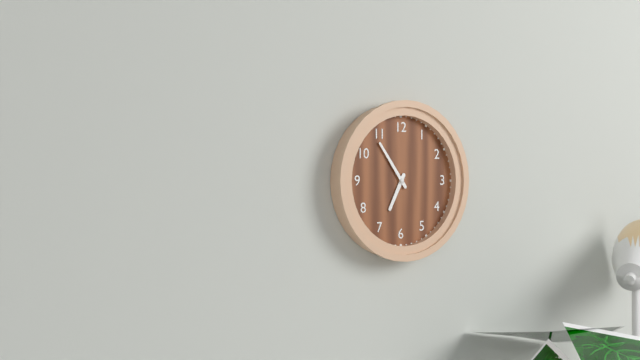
6:54
